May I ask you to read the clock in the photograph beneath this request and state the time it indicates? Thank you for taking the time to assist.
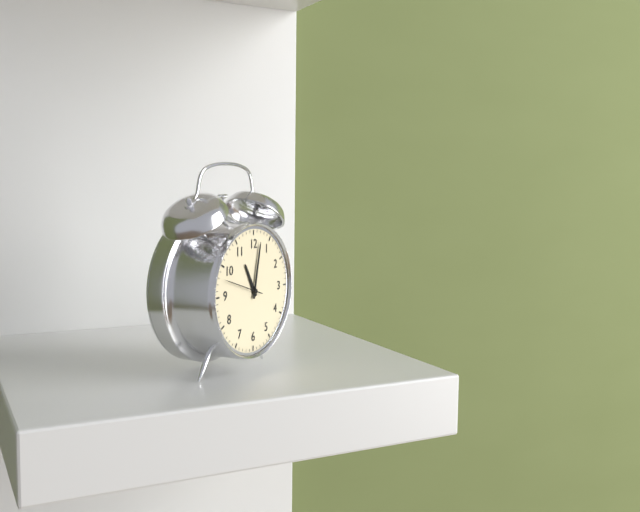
11:02
